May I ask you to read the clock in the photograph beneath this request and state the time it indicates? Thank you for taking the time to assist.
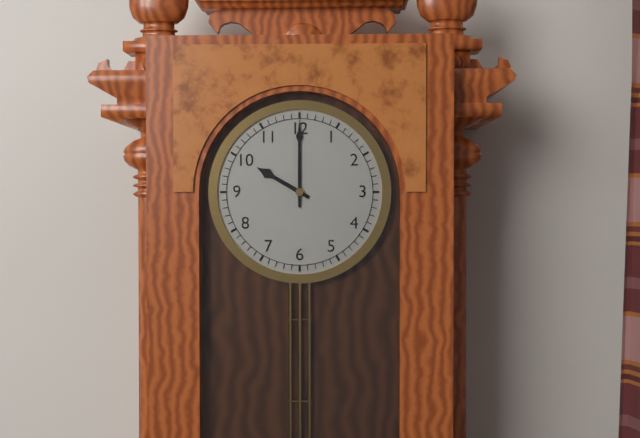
10:00
